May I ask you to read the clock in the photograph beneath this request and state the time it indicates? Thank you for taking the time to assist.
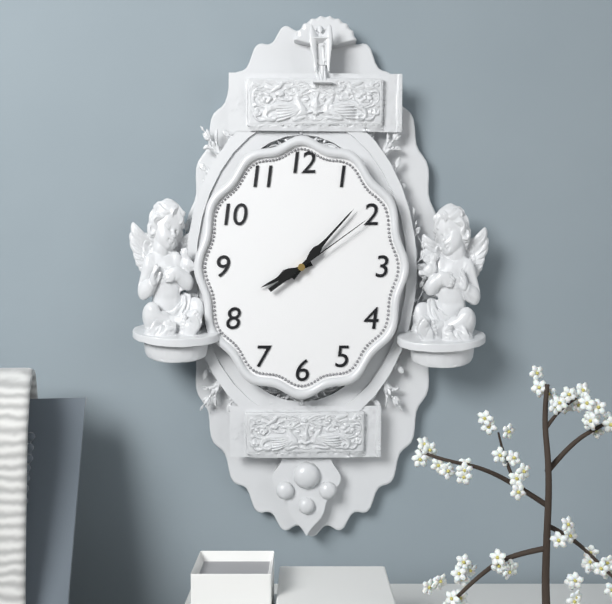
8:07:09
